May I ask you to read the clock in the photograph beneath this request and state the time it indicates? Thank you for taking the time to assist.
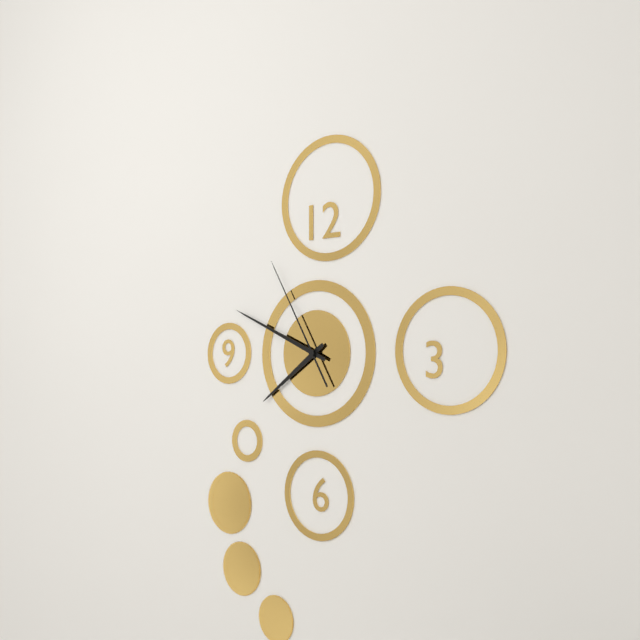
7:49:55
